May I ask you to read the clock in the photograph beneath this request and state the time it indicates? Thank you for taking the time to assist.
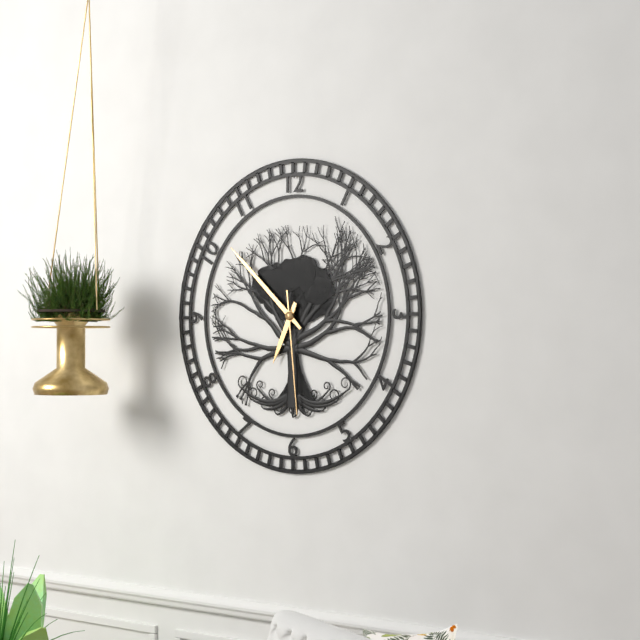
6:52:29
